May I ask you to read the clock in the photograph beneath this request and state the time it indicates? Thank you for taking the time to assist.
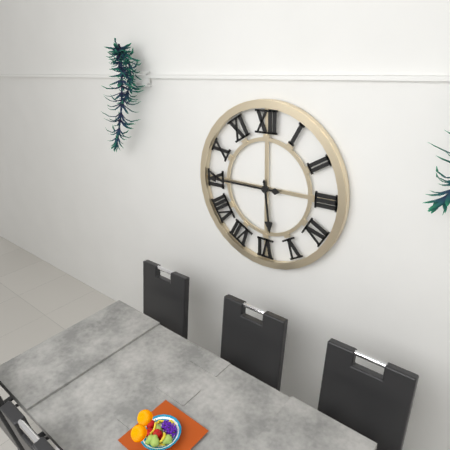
5:45
